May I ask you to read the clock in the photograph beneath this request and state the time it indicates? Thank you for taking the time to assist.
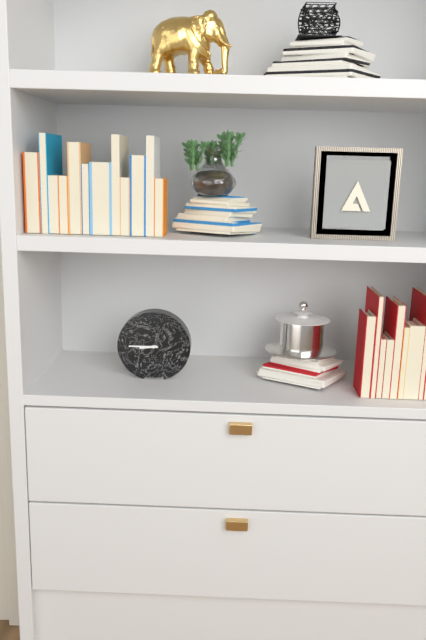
8:45
